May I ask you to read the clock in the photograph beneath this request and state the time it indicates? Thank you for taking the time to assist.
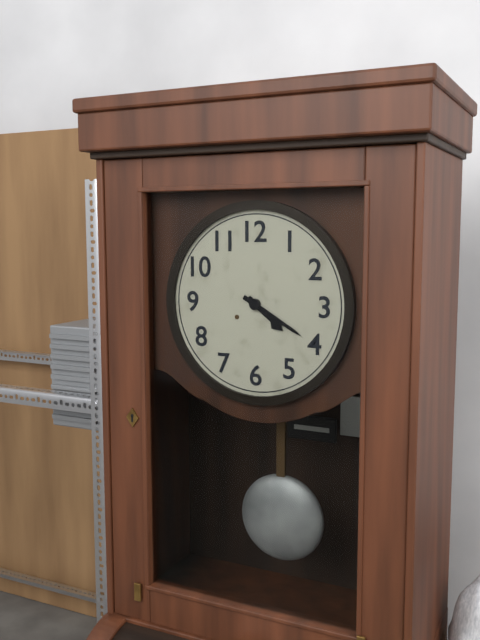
4:20
